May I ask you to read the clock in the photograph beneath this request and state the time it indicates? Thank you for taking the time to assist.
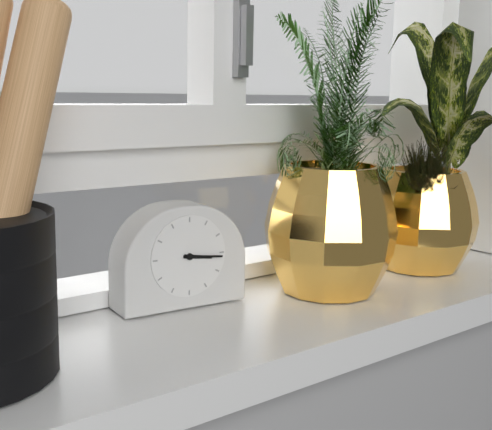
3:16
